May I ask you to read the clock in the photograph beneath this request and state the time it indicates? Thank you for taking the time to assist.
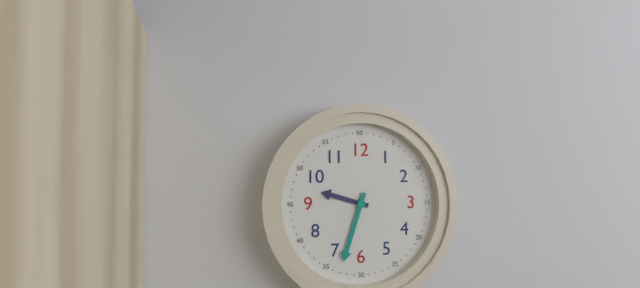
9:33
